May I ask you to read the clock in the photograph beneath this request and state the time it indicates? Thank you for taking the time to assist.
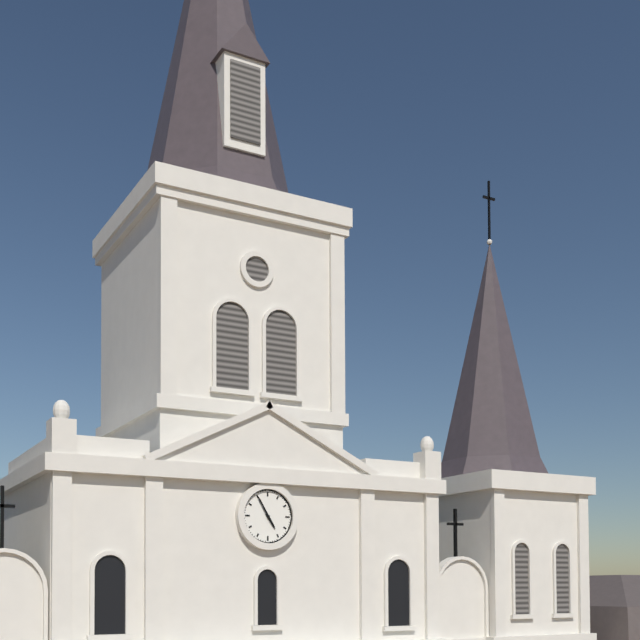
4:55
